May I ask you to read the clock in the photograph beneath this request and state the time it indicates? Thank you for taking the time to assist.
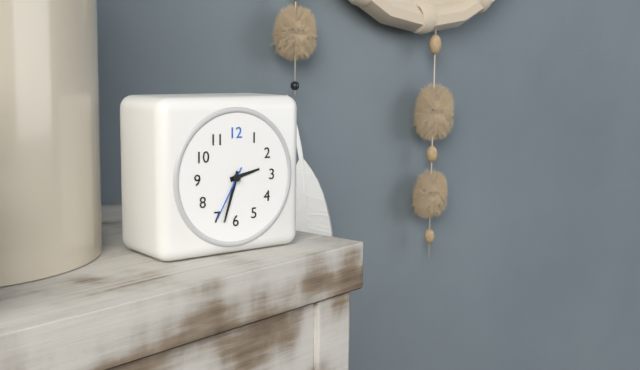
2:33:35
